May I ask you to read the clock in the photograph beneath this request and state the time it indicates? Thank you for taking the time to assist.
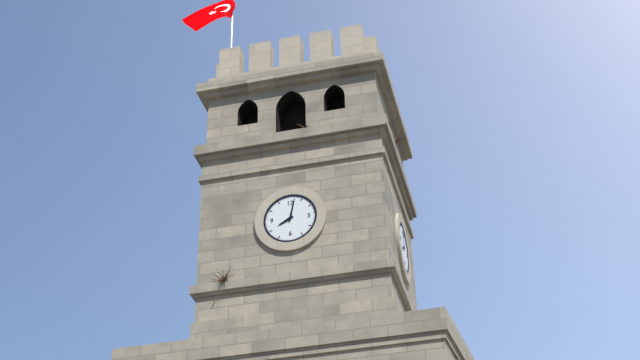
8:02
